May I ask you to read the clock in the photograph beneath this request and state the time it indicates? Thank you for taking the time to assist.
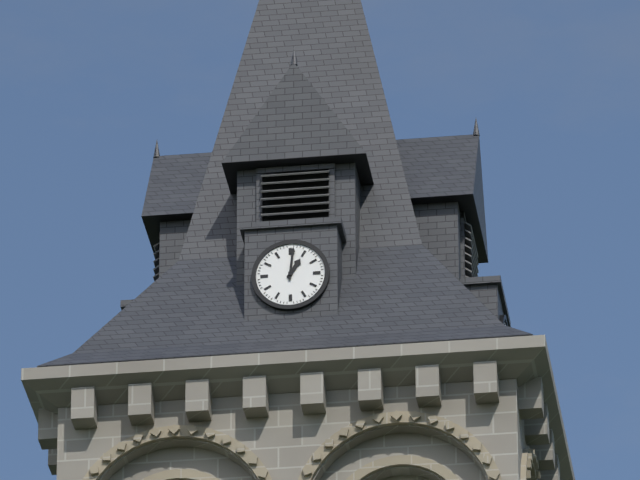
1:01
